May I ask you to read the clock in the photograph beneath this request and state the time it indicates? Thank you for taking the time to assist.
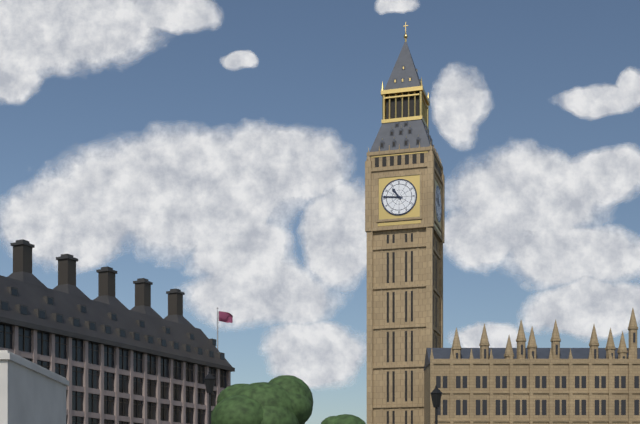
10:46
